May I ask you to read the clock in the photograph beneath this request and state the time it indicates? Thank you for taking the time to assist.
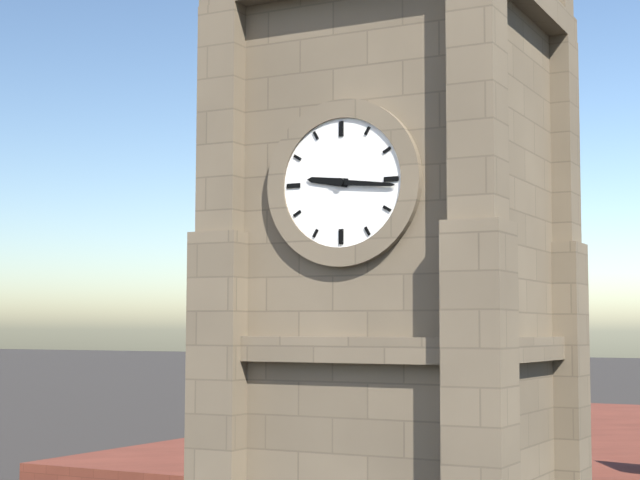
9:16
